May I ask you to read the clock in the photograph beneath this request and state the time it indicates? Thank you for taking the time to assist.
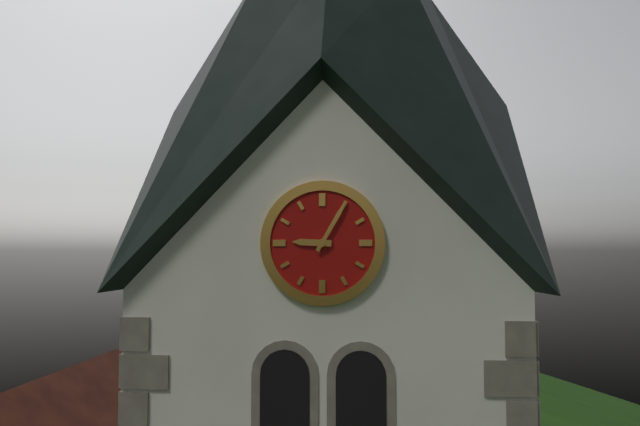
9:05
